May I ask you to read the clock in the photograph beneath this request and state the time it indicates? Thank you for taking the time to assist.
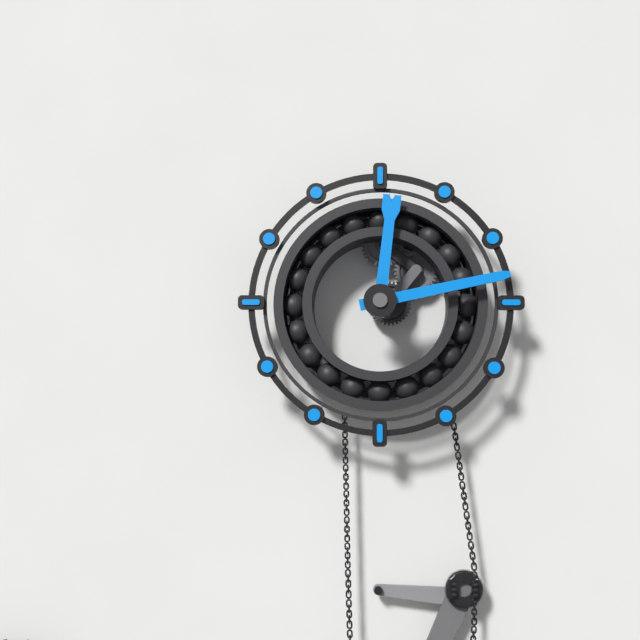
12:13
